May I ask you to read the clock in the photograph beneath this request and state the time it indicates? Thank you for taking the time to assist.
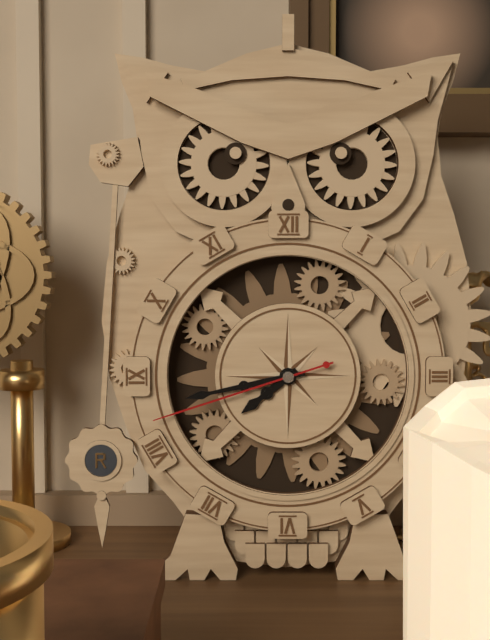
7:43:42
